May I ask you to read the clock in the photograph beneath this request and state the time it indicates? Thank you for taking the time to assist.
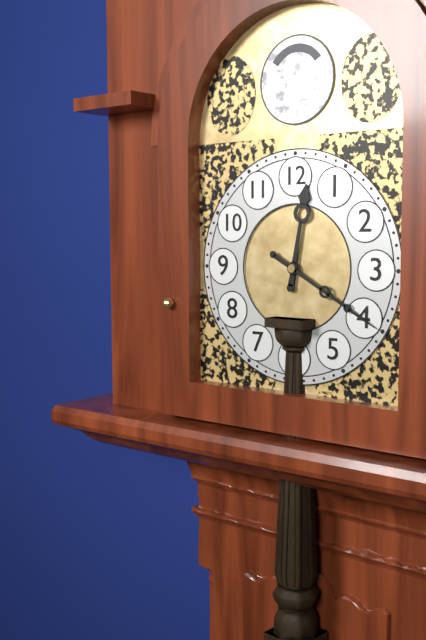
12:20
